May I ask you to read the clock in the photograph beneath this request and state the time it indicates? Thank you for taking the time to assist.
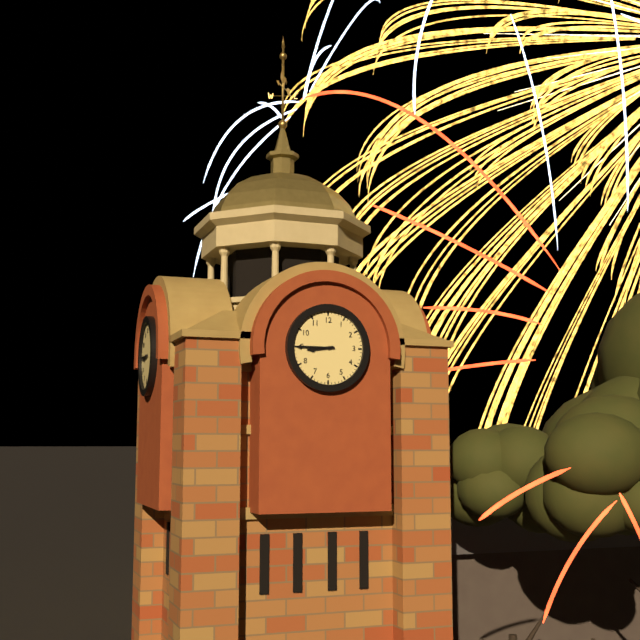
8:45
